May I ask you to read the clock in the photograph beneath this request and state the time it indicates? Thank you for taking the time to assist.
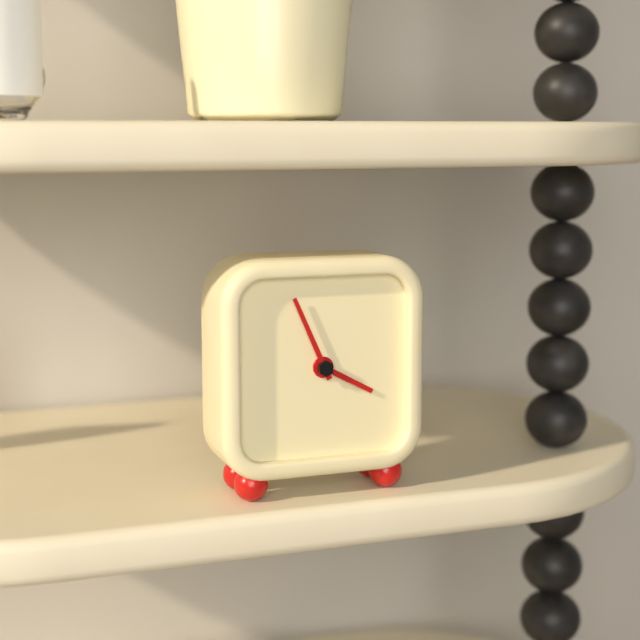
3:56
